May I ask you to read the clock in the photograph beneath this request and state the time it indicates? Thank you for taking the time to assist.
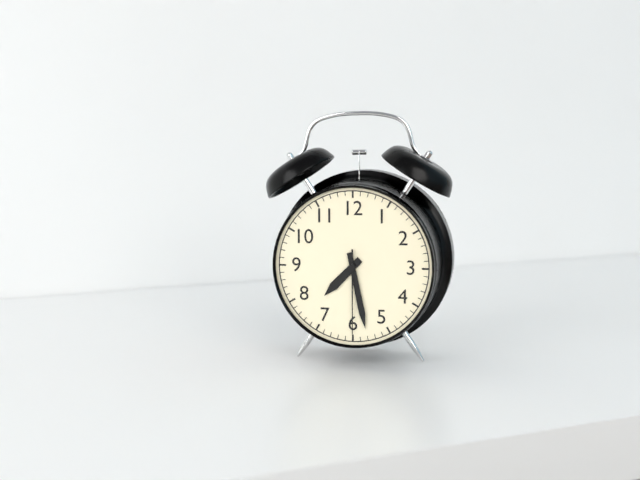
7:28:30
